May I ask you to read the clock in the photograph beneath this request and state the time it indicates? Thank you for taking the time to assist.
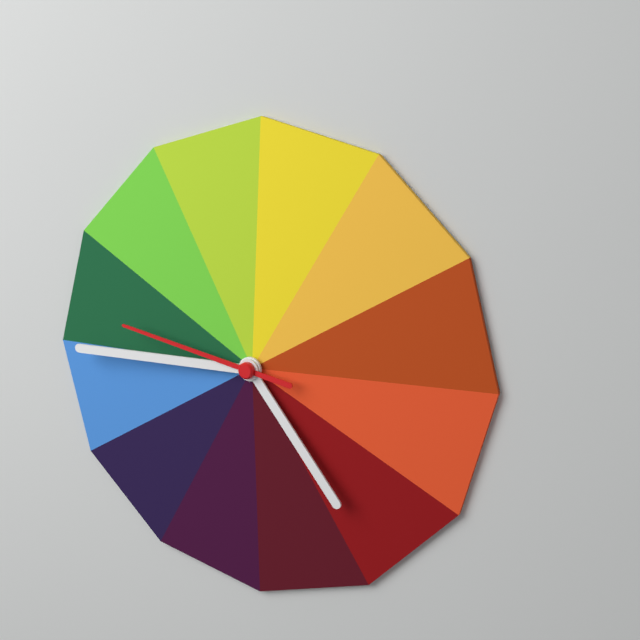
4:45:47
